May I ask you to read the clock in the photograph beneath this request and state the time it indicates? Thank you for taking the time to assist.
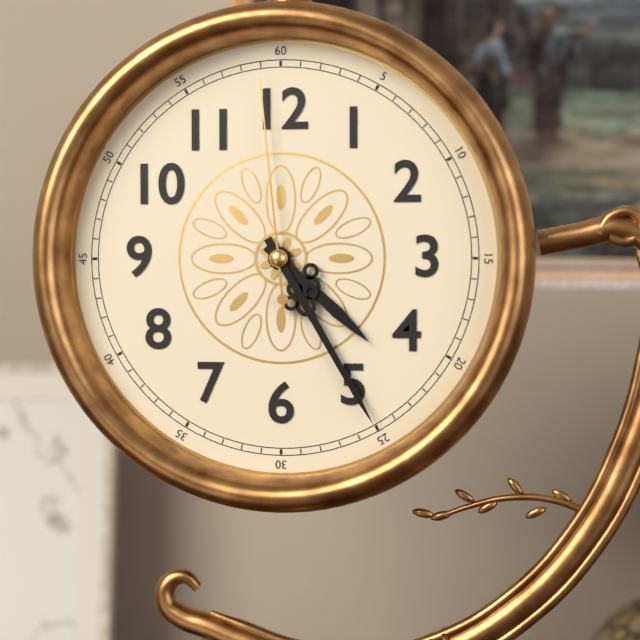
4:25:59
